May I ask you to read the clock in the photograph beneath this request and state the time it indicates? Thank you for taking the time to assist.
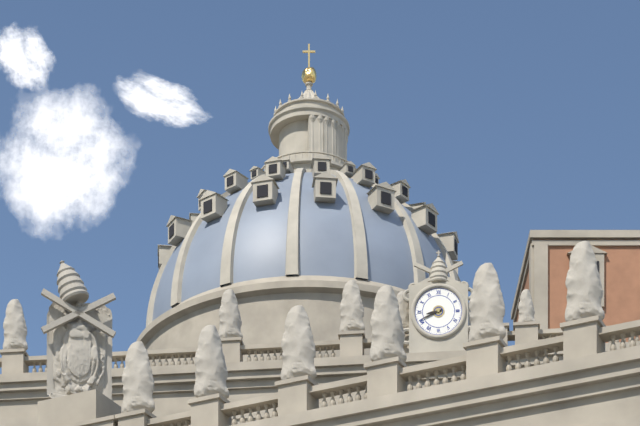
8:41
